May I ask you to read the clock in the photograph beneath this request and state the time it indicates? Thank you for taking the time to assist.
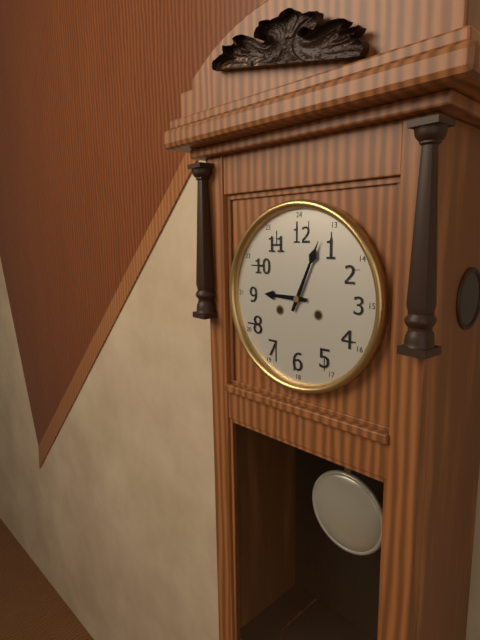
9:04
